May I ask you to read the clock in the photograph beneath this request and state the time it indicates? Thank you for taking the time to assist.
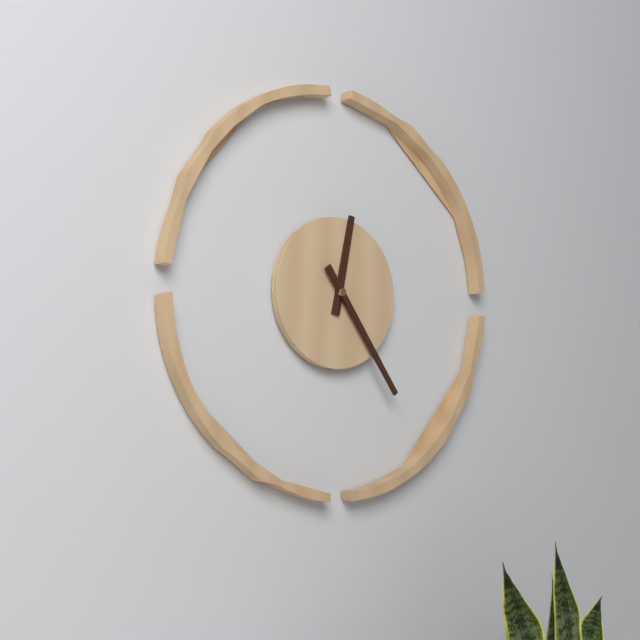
12:24
